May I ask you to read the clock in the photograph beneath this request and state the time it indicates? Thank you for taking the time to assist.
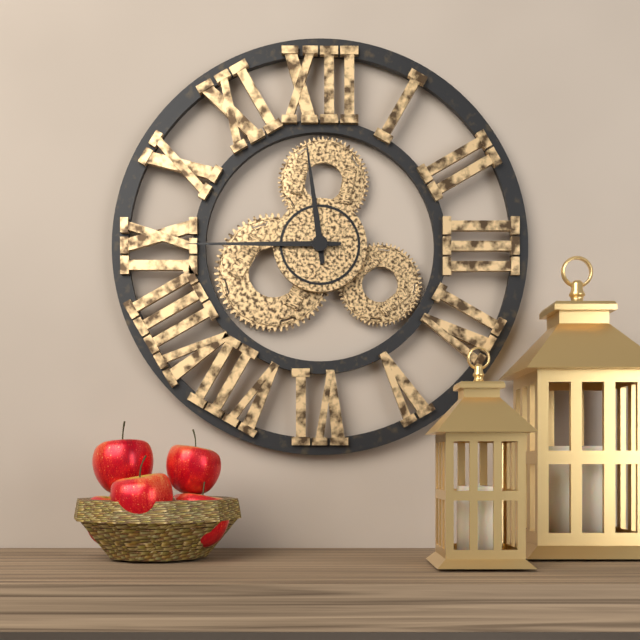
11:45
